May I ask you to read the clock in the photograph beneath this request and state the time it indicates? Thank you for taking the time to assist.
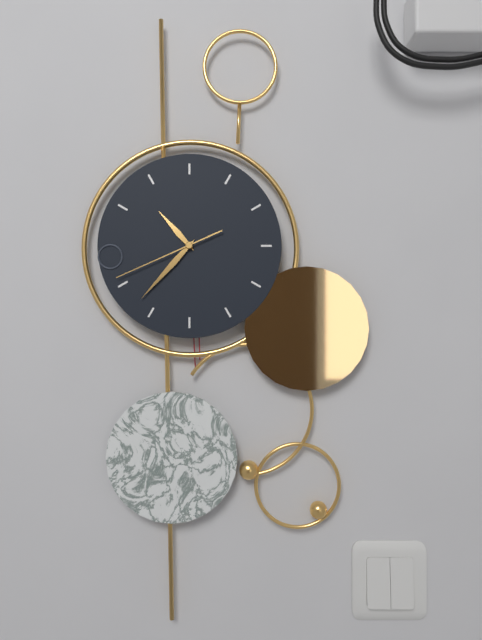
10:37:41
